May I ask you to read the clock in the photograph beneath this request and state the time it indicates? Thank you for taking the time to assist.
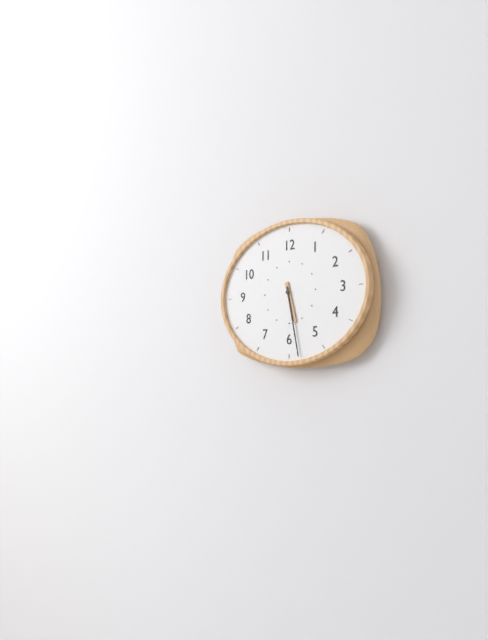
5:28
